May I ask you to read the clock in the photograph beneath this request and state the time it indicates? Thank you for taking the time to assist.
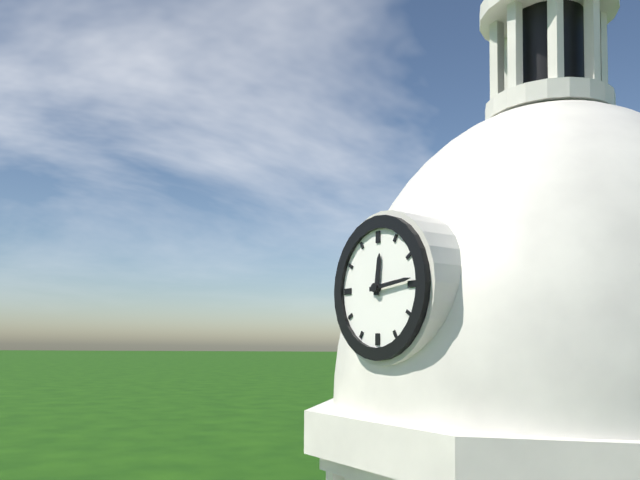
12:14
